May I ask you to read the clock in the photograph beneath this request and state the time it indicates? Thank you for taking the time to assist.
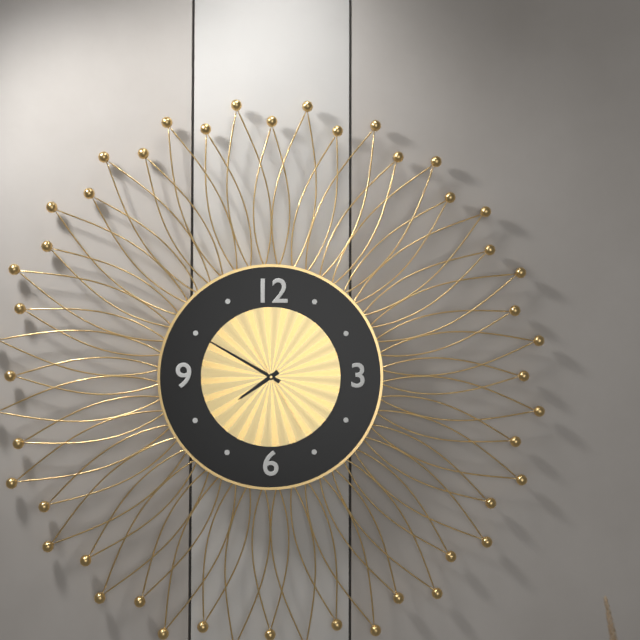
7:50:25
